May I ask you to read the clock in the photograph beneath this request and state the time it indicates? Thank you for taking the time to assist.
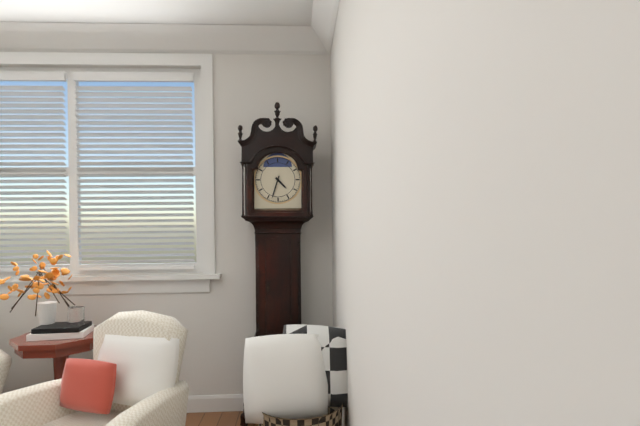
4:33
